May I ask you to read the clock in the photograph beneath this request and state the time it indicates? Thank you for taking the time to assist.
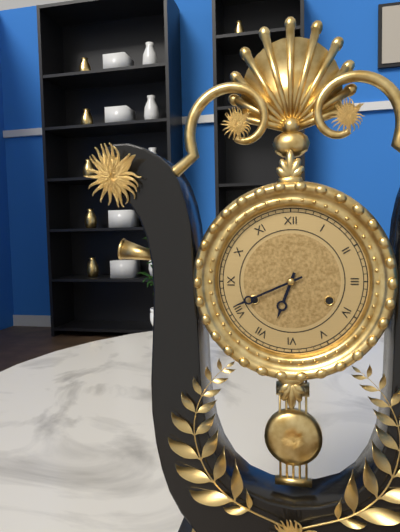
6:41
